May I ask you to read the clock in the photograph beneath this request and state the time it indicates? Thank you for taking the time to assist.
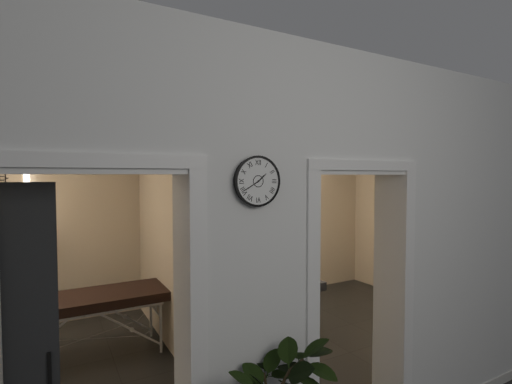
1:40
